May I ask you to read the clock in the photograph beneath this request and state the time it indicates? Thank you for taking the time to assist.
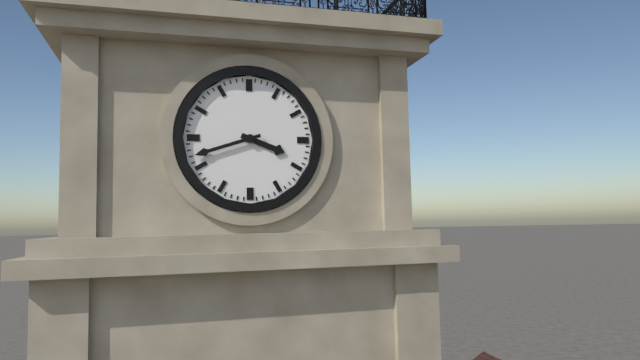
3:42
